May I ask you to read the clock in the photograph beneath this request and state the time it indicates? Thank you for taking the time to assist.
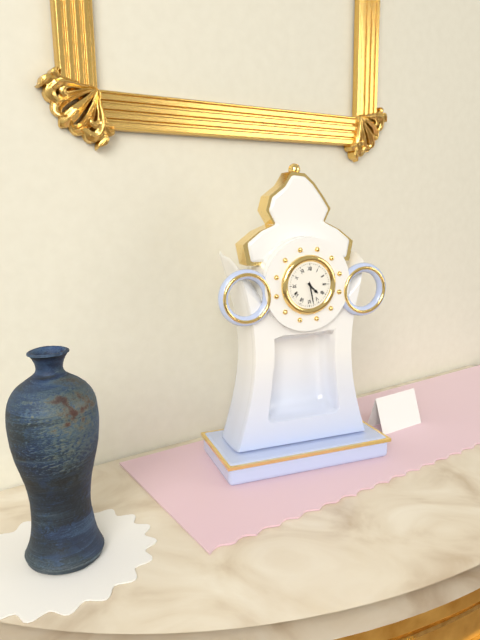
4:28
